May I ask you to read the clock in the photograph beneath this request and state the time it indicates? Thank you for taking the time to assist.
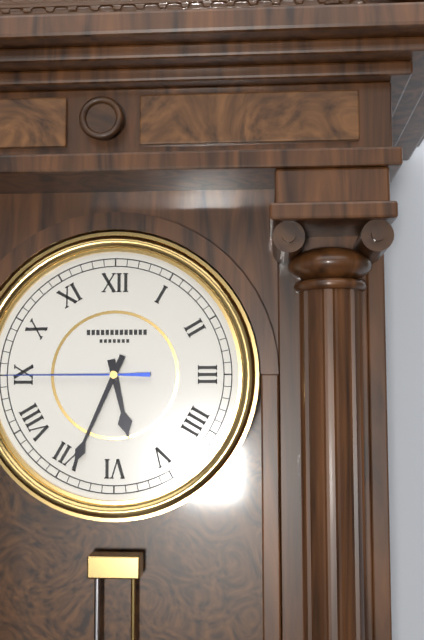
5:34:45
